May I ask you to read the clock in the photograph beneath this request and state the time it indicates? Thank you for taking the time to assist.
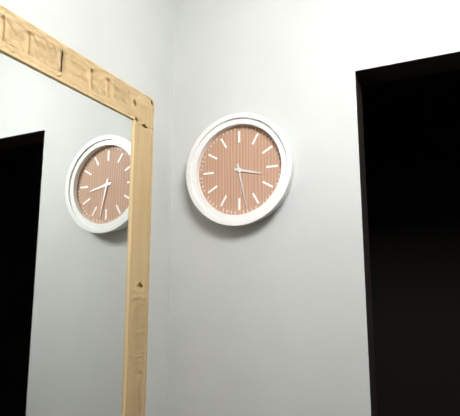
3:28
